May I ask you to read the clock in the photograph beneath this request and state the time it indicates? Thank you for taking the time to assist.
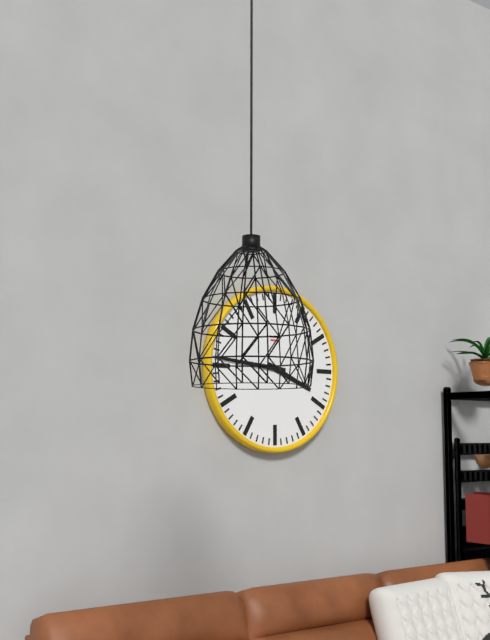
3:46
